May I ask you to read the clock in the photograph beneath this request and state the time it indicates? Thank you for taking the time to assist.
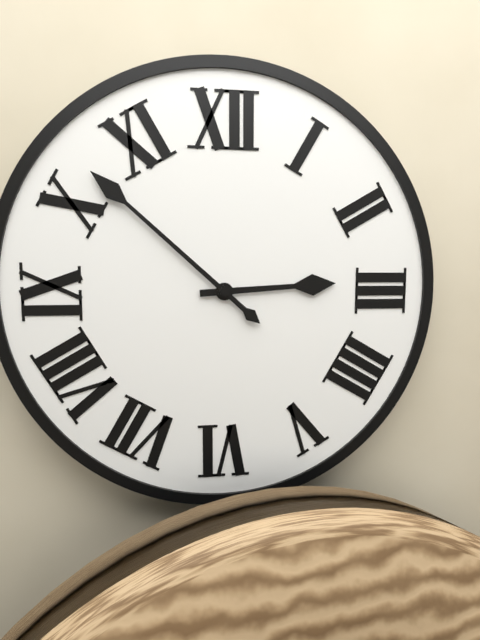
2:52
